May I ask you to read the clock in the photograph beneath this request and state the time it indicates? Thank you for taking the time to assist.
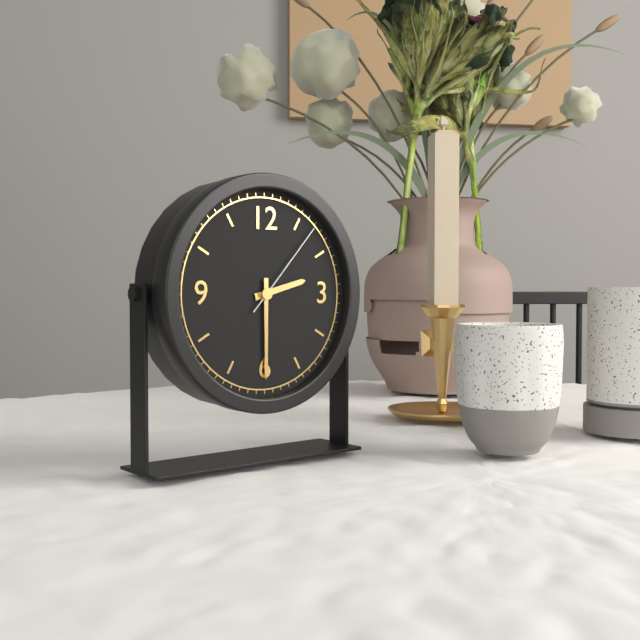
2:30:07
